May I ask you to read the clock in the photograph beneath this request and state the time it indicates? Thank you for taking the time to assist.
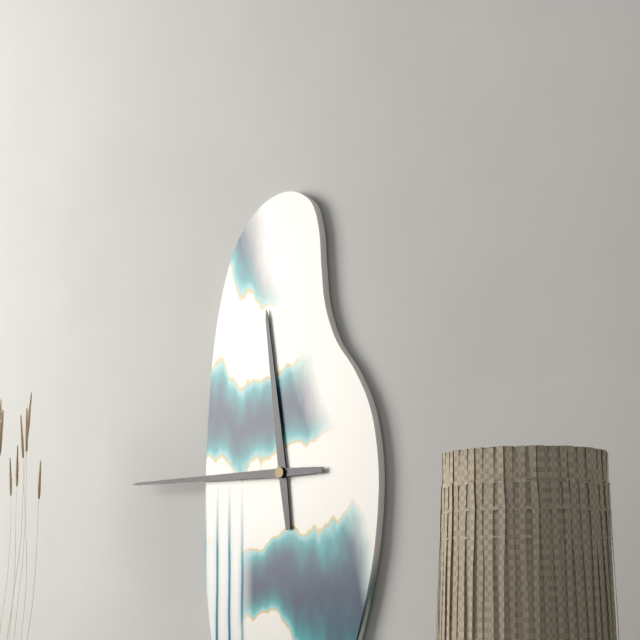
11:45
